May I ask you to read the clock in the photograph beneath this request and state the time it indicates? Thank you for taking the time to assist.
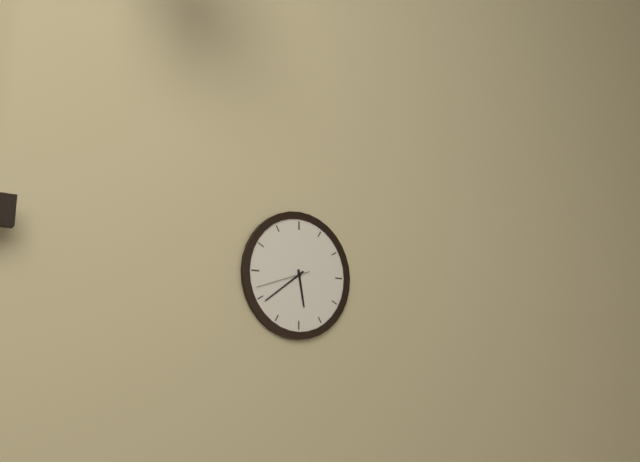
5:39:42
